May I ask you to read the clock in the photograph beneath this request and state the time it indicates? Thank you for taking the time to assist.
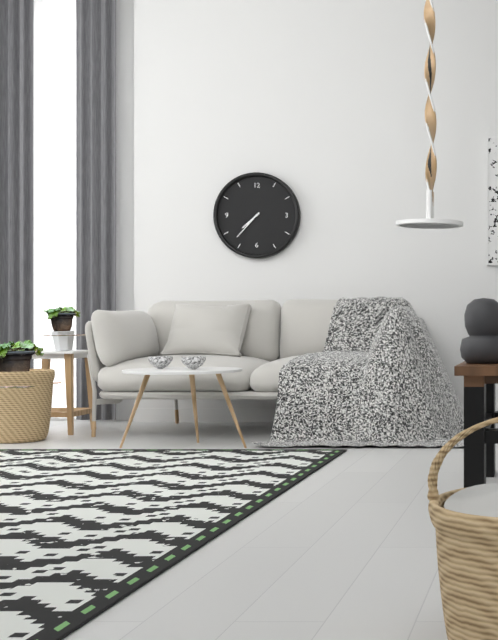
7:37
